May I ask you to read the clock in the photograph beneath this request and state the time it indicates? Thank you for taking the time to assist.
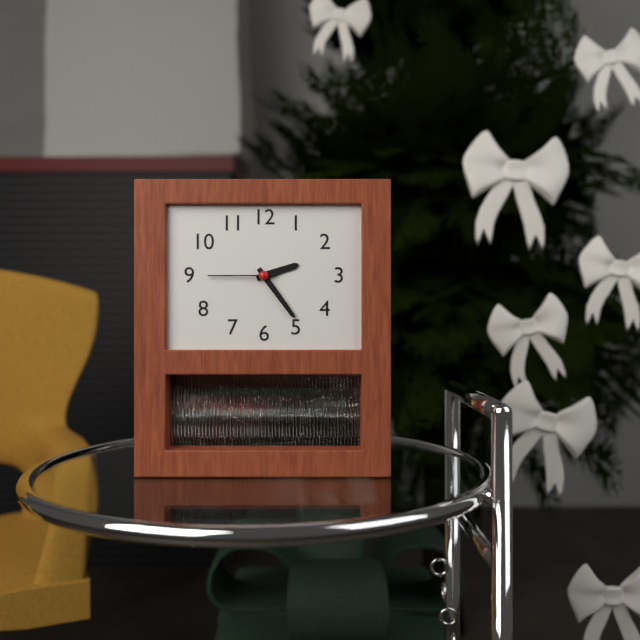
2:24:45
